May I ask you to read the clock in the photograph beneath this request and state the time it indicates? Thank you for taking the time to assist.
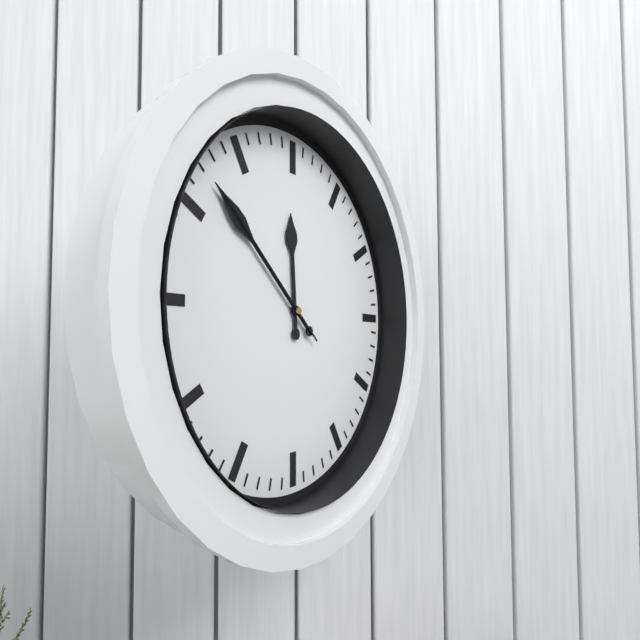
11:52:52
